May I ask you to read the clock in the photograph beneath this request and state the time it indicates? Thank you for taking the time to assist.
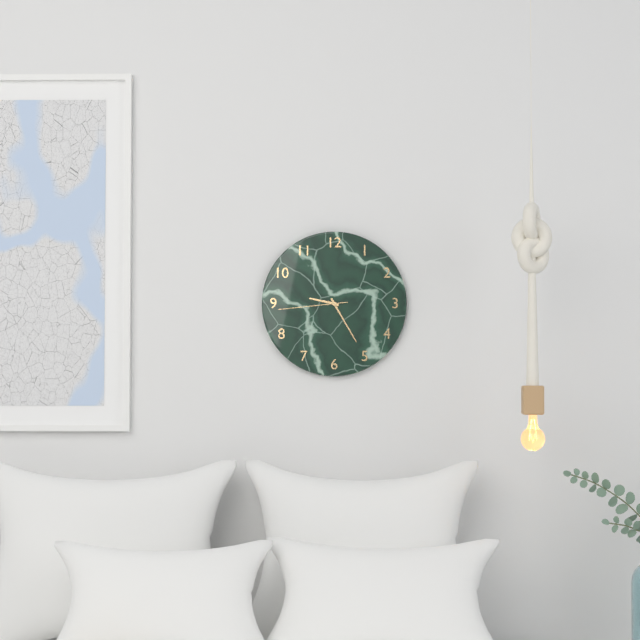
9:25:44
